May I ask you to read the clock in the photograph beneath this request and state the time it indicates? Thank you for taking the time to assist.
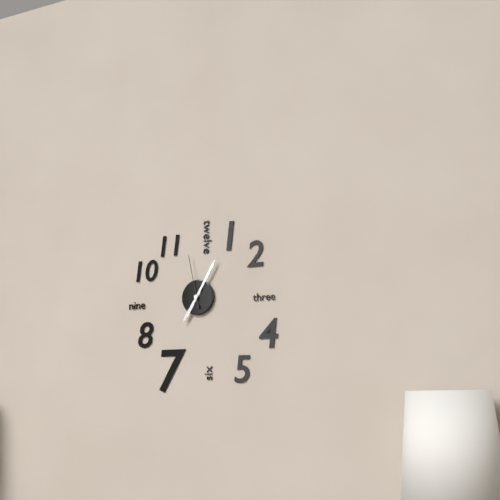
7:05:58
